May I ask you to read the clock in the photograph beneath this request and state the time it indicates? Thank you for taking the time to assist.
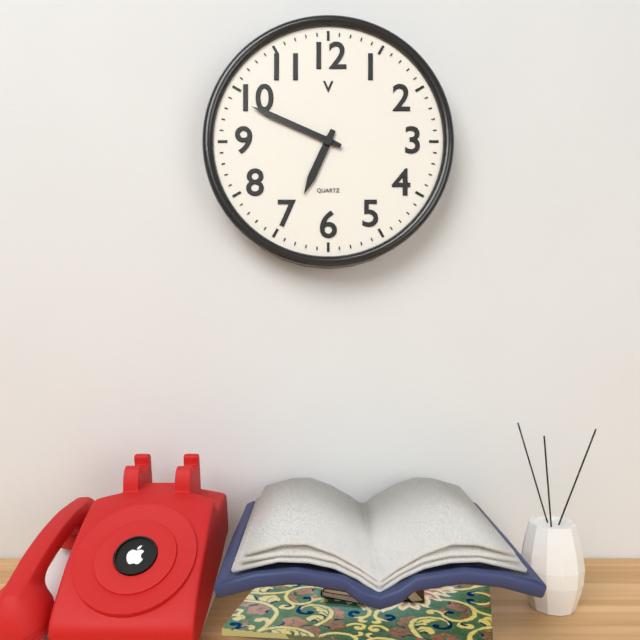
6:49
